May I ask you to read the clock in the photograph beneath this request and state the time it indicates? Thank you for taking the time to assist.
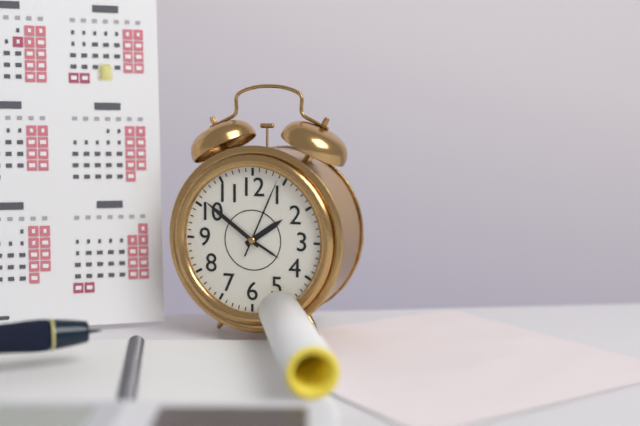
1:51:04
